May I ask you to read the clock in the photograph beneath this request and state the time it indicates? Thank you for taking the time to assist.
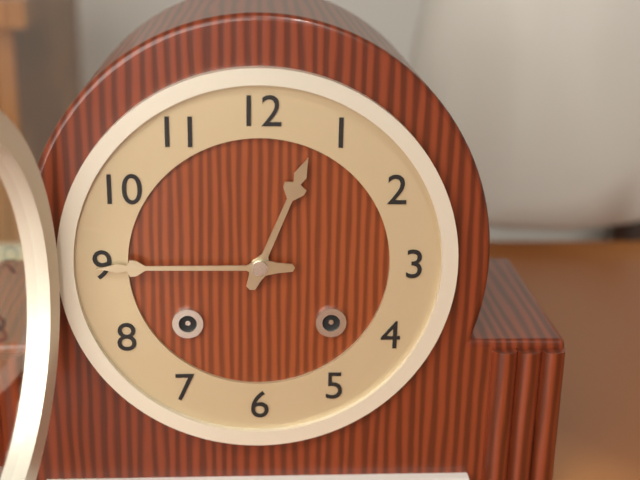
12:45
